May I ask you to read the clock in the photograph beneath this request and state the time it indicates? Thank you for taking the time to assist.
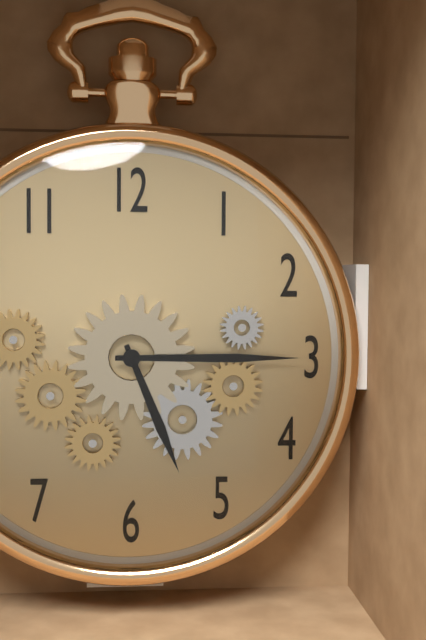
5:15
